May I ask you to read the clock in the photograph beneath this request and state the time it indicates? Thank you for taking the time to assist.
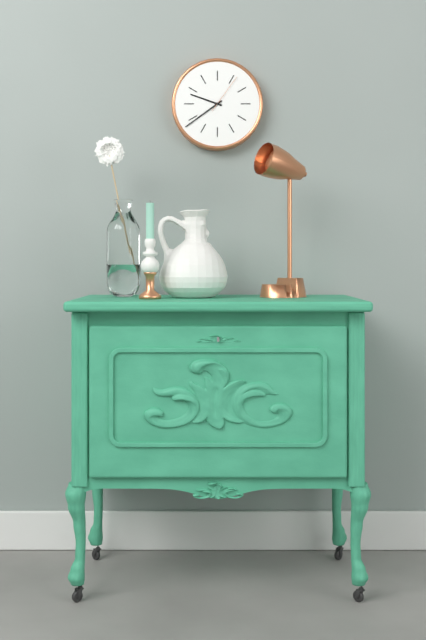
9:39
